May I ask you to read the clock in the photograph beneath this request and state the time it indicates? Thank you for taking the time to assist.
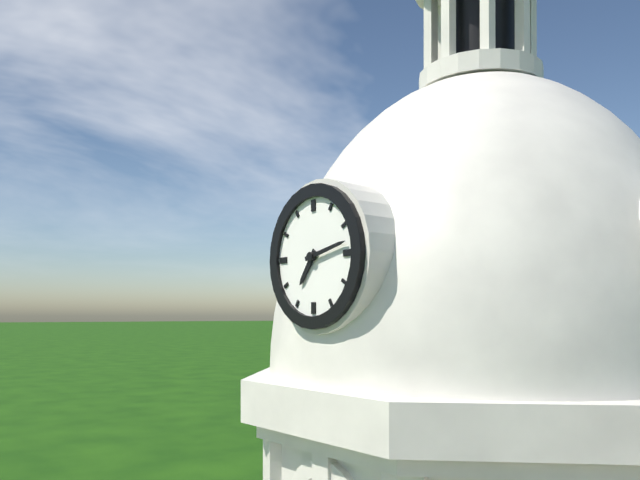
7:13
